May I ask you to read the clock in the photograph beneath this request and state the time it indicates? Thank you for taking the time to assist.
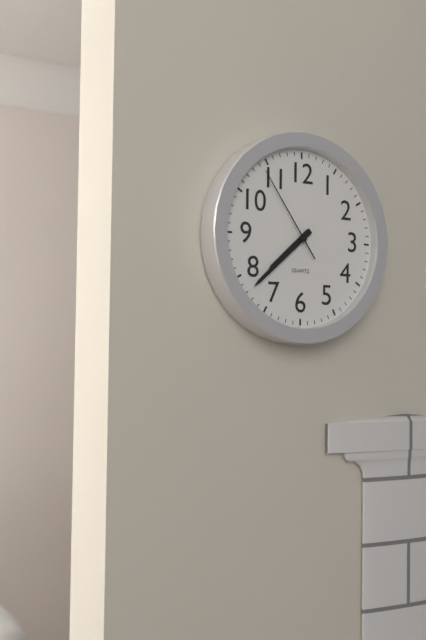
7:38:54
